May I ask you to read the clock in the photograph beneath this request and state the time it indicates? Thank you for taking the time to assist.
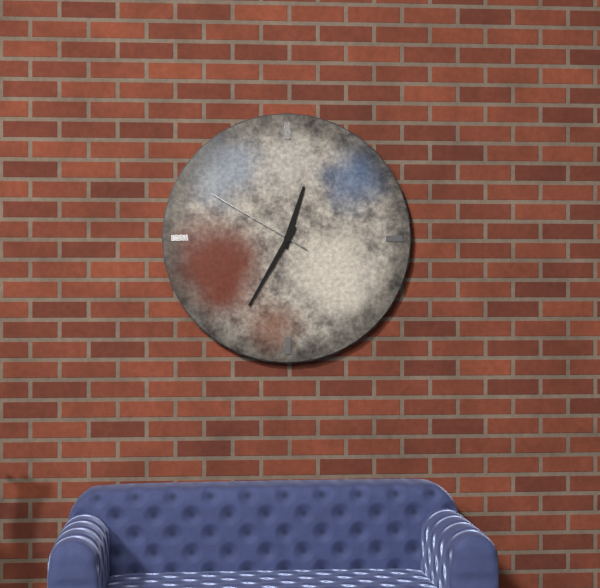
12:35:50
